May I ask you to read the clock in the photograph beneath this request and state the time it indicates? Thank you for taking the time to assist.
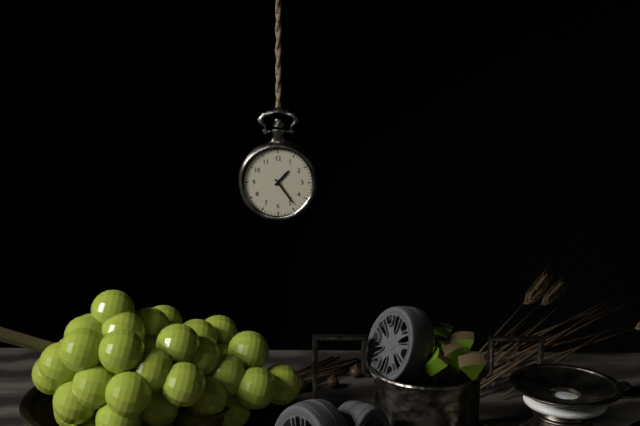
1:24
